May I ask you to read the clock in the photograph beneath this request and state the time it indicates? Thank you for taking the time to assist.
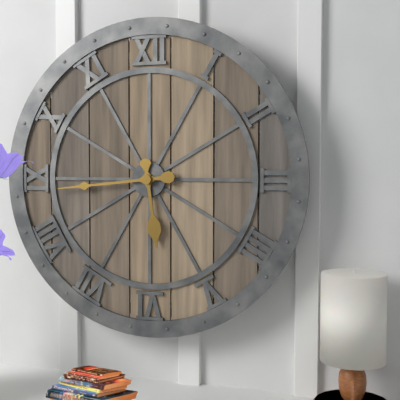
5:44
